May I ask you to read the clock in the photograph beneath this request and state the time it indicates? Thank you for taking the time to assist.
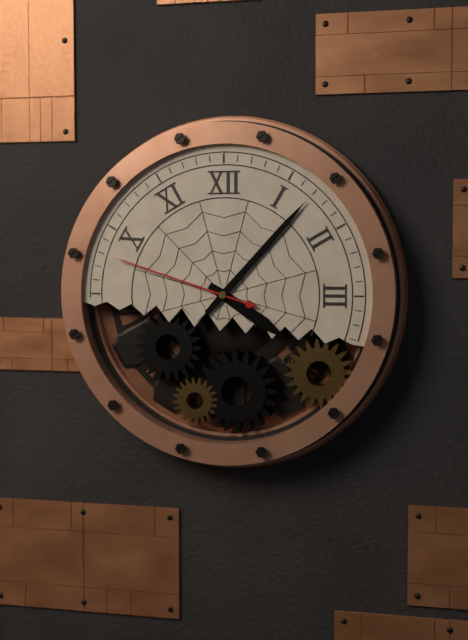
4:07:48
